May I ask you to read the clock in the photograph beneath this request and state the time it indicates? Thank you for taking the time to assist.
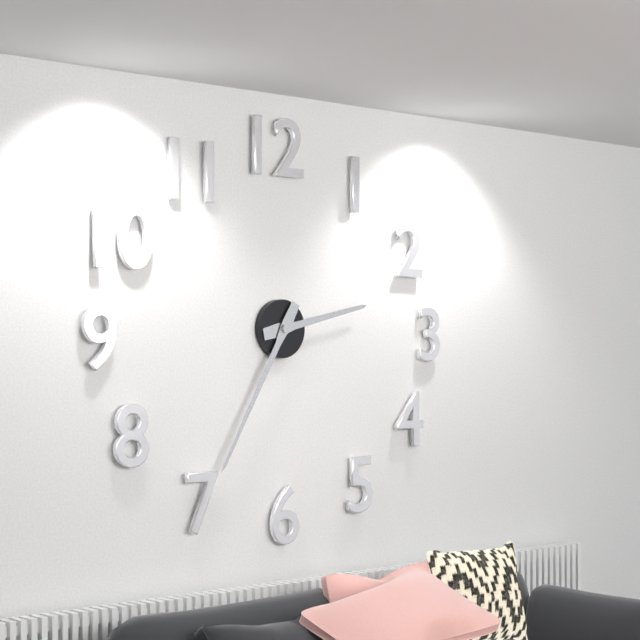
2:35
